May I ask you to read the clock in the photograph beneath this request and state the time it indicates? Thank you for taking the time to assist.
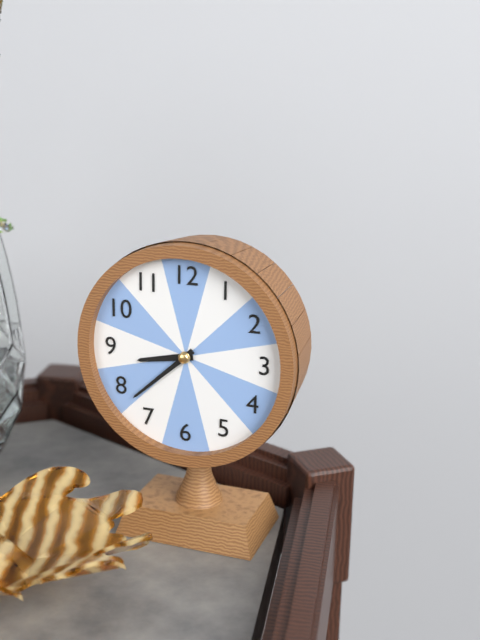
8:38
